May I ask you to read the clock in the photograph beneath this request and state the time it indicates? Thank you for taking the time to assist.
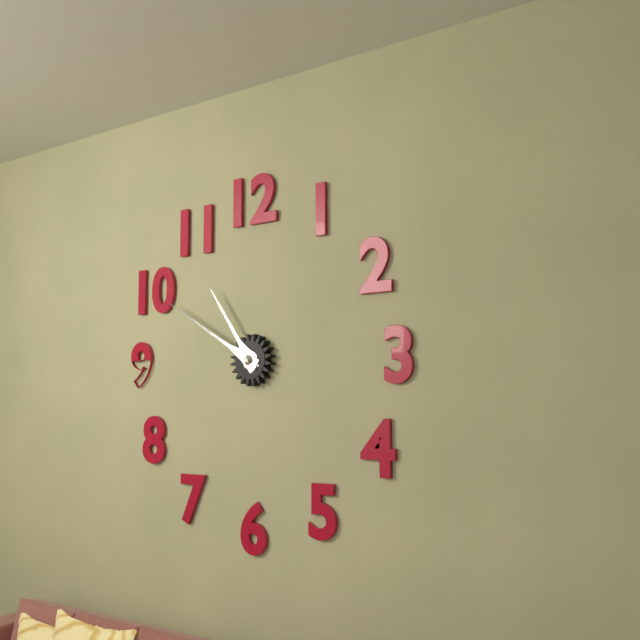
10:50
